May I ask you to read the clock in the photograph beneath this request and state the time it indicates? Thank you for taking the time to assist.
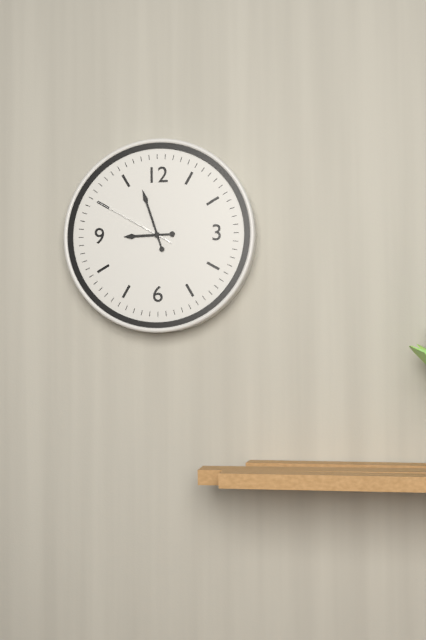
8:57:50
